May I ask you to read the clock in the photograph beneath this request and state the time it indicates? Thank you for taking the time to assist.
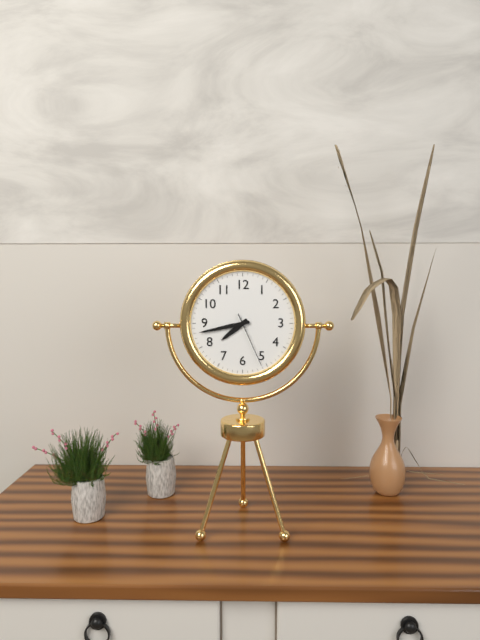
7:43:26
